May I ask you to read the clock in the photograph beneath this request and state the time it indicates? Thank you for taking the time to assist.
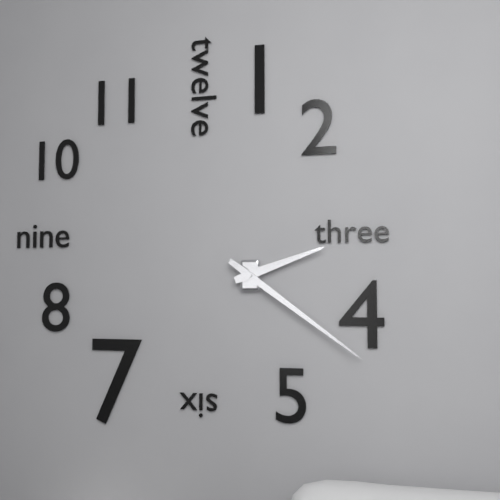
2:21
